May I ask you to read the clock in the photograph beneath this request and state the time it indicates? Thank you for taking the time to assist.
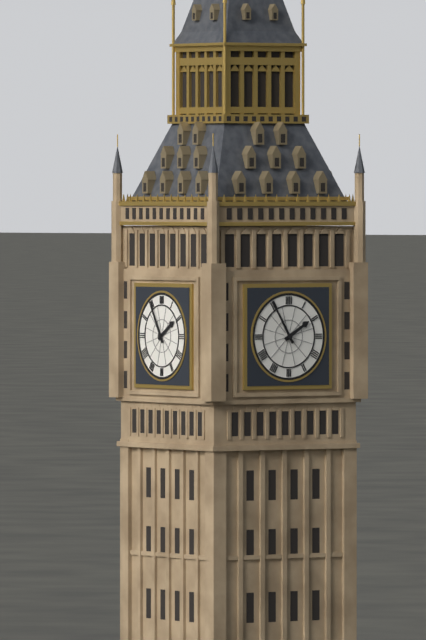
1:55
